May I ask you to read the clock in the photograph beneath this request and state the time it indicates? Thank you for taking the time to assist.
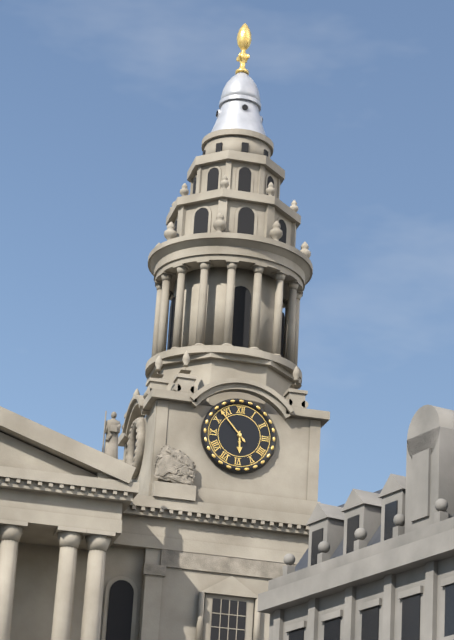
5:53
